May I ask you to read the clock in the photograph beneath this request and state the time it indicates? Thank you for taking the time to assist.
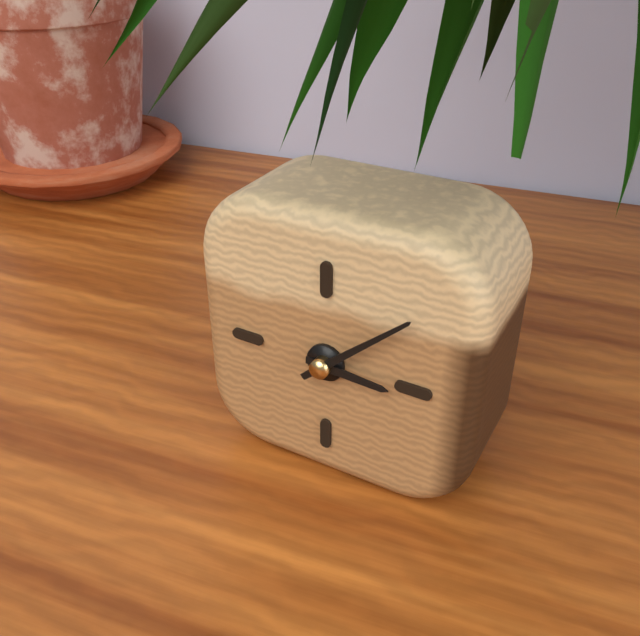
3:08
